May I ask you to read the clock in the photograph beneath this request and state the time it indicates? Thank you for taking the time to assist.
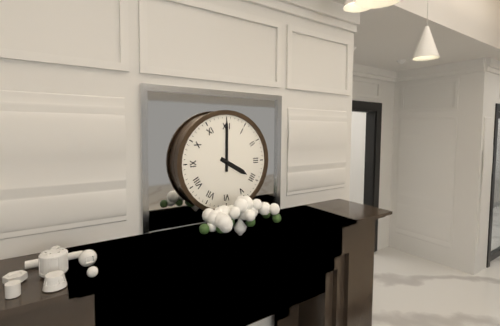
4:00
